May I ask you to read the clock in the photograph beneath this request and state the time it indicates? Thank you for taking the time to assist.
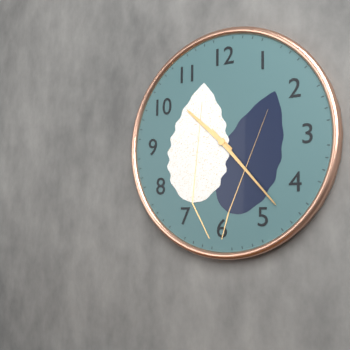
10:23
